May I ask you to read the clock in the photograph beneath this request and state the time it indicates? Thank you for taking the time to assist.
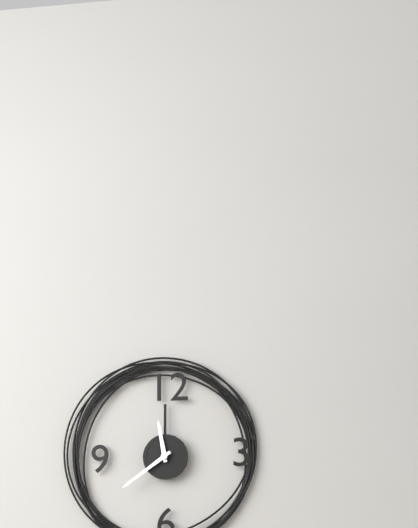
11:39
